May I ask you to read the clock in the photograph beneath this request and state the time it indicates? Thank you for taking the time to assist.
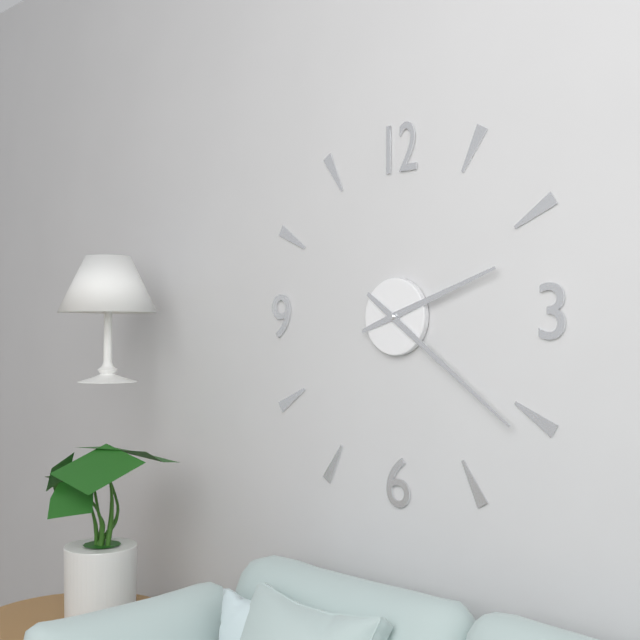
2:21
